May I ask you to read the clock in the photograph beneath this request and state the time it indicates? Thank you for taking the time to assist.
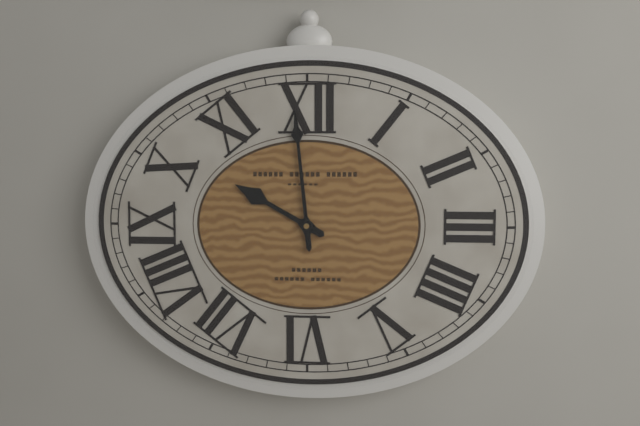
9:59
